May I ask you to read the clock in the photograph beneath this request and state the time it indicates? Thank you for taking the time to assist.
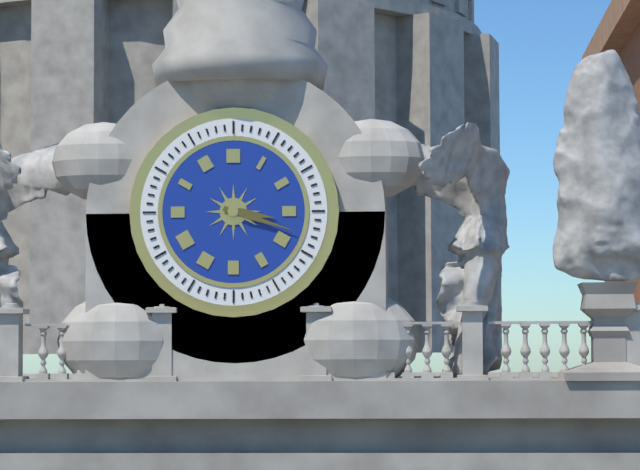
3:18
